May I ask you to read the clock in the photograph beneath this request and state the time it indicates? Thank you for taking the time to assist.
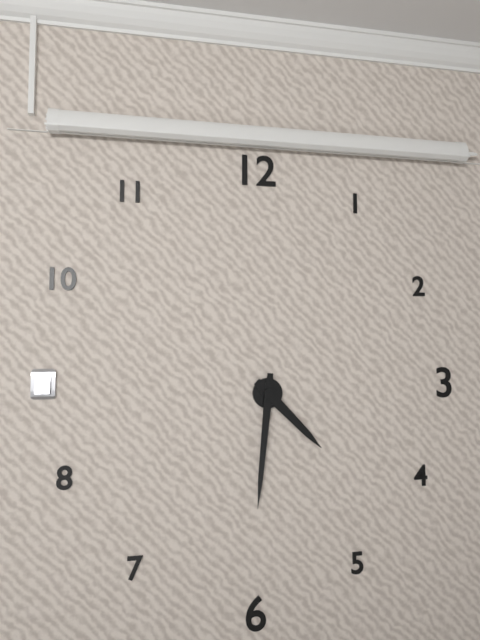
4:31
